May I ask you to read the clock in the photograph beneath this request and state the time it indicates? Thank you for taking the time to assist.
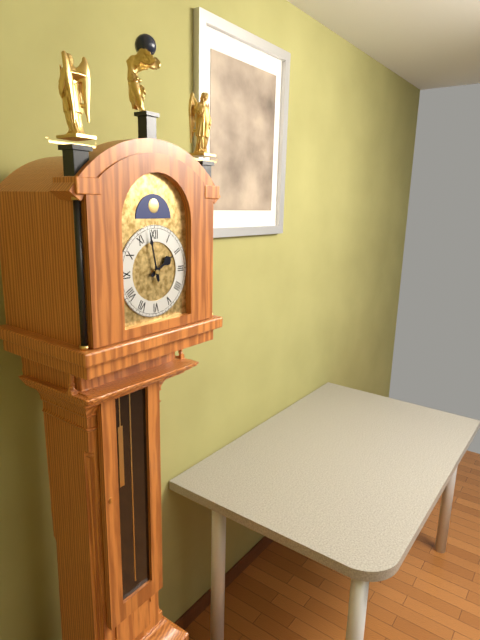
1:58
